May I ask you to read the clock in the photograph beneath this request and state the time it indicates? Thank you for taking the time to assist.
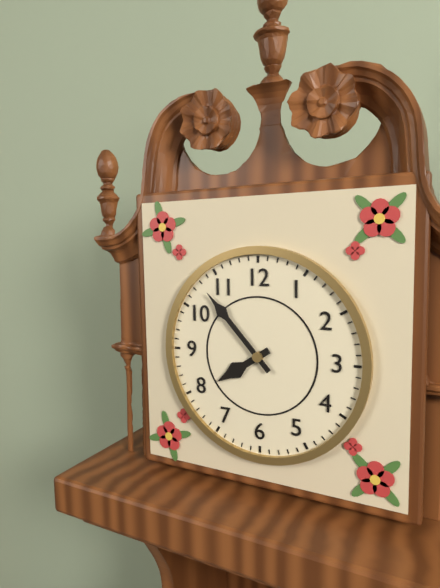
7:53
